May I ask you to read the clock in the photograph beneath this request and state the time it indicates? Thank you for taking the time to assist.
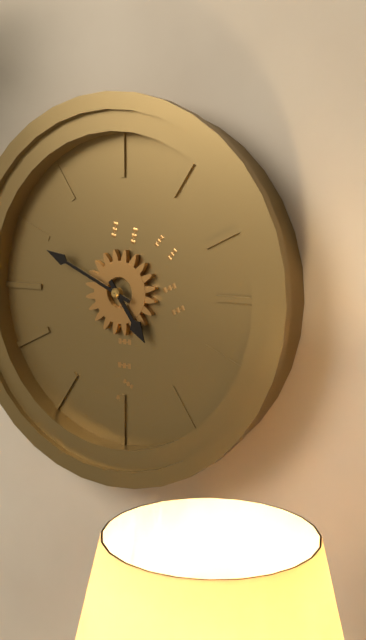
4:49
